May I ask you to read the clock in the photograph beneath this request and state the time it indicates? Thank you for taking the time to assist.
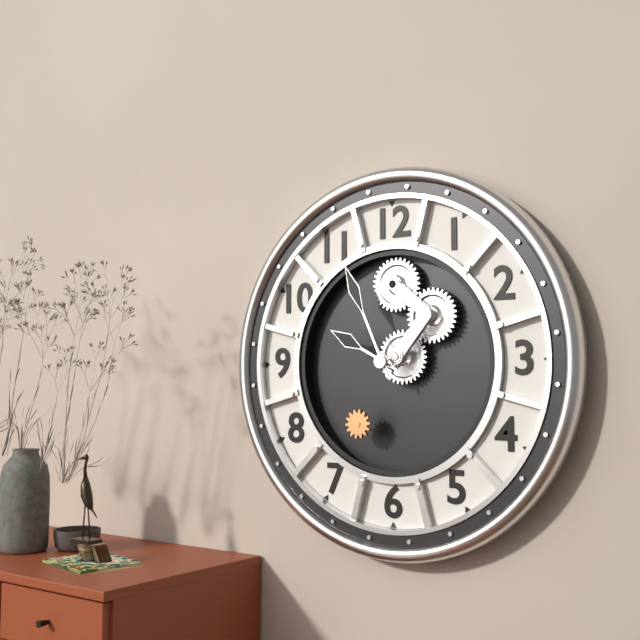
9:56
